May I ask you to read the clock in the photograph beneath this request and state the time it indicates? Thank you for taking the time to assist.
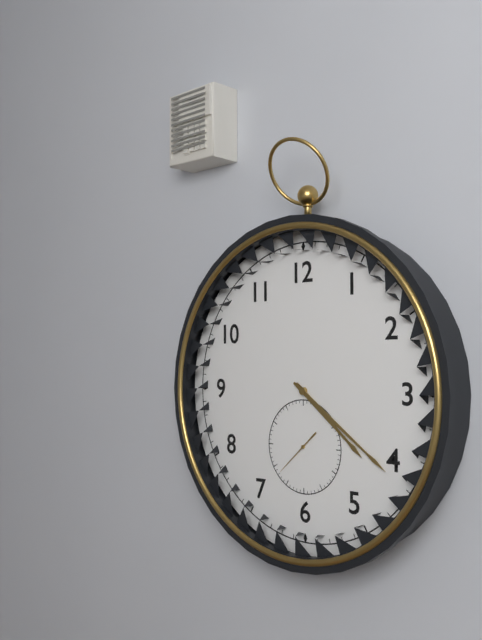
4:21
